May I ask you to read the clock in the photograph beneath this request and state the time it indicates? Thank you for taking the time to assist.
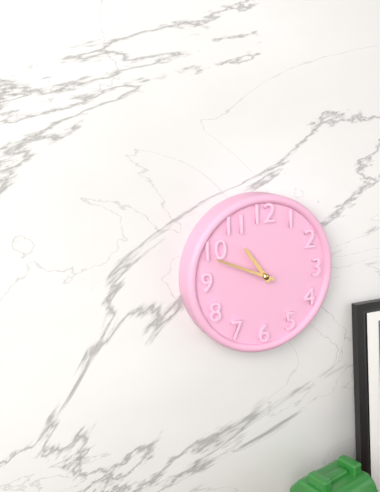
10:49
